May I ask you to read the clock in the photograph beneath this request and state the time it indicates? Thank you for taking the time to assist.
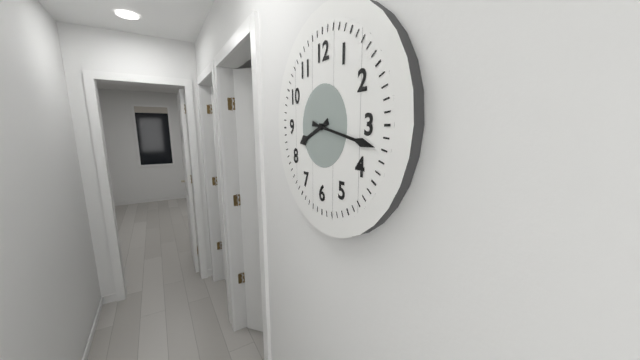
8:17
